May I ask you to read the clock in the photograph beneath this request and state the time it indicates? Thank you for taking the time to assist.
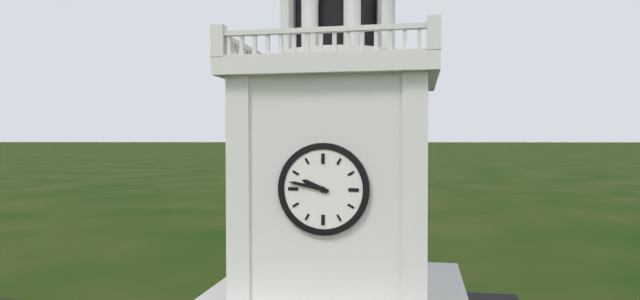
9:47
